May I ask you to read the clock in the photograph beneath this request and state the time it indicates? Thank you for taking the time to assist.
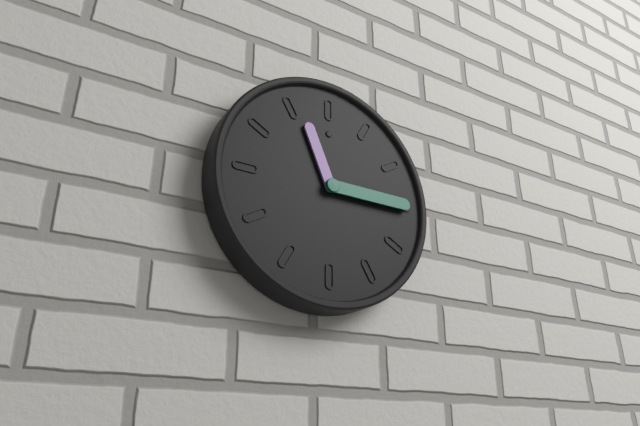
11:15
